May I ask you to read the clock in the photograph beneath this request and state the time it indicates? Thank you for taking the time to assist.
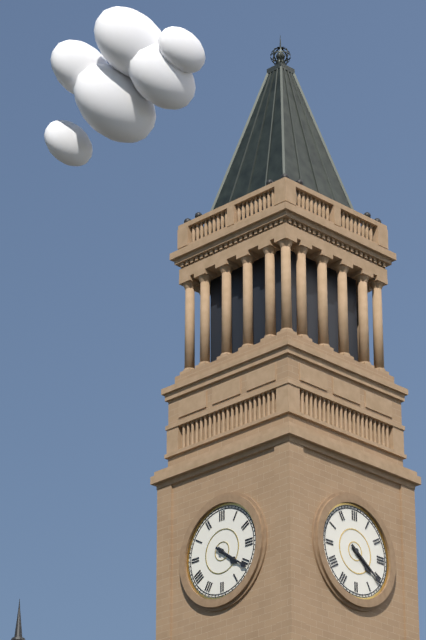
4:21
